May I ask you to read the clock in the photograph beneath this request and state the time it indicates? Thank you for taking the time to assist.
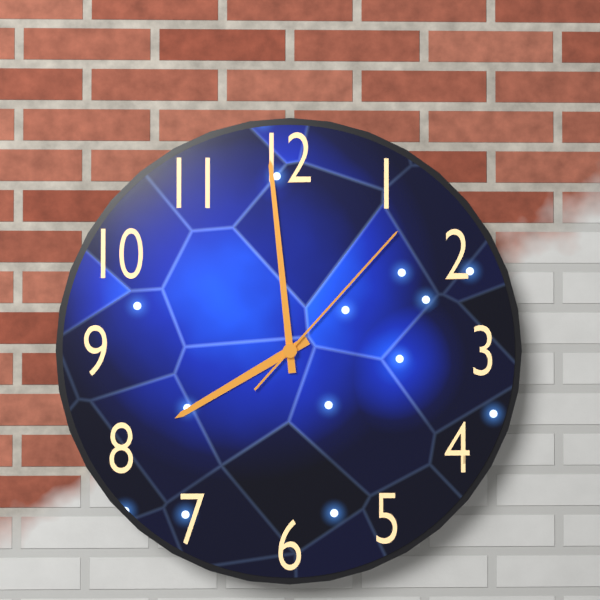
7:59:07
